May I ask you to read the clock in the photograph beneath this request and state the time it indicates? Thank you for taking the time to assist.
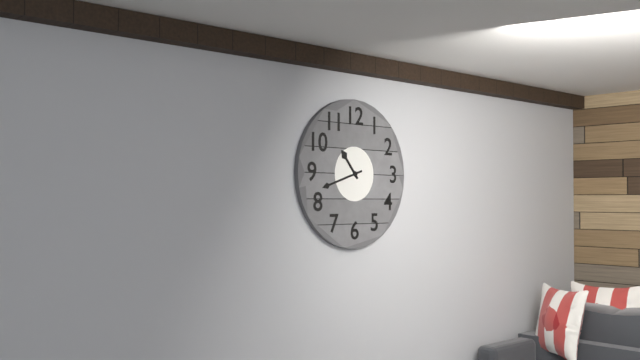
10:42
